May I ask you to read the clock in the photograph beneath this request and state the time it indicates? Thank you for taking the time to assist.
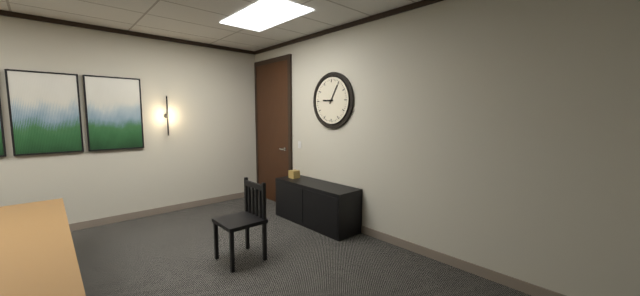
9:05
